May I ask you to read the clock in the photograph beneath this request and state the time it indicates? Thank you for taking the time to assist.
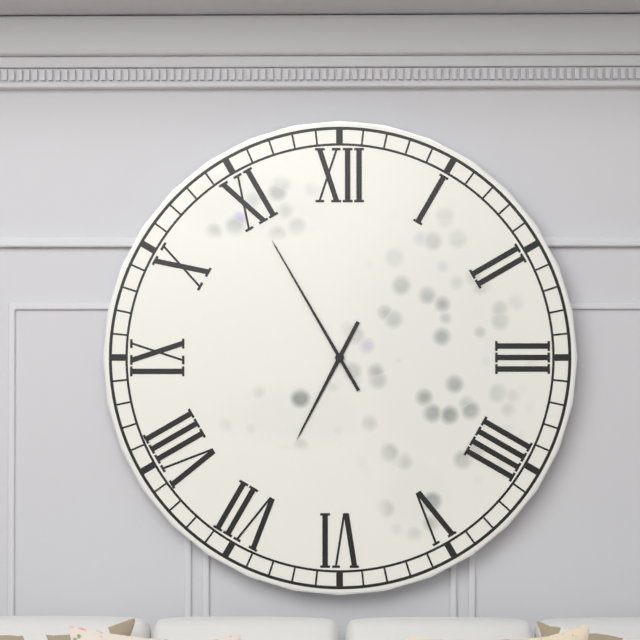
6:55
